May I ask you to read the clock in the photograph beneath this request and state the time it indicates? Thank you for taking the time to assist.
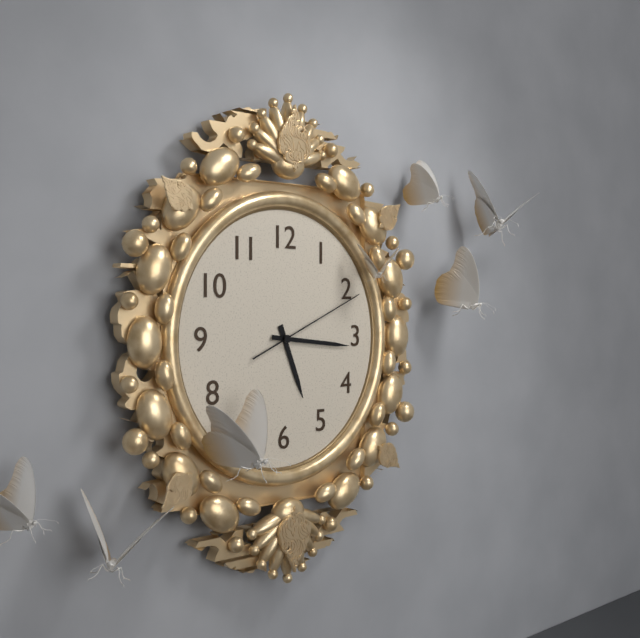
5:16:11
